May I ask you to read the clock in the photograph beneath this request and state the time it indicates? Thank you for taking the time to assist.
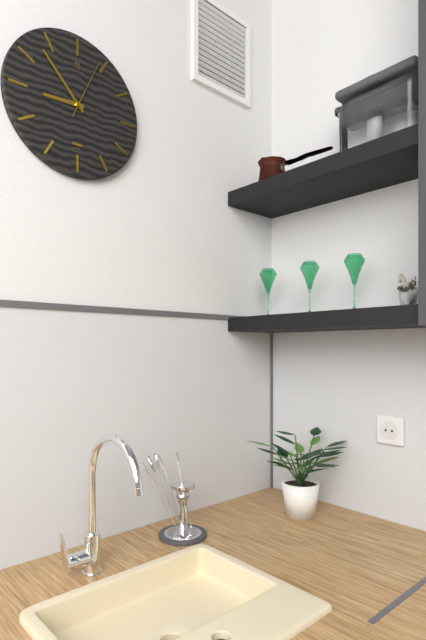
8:53:04
